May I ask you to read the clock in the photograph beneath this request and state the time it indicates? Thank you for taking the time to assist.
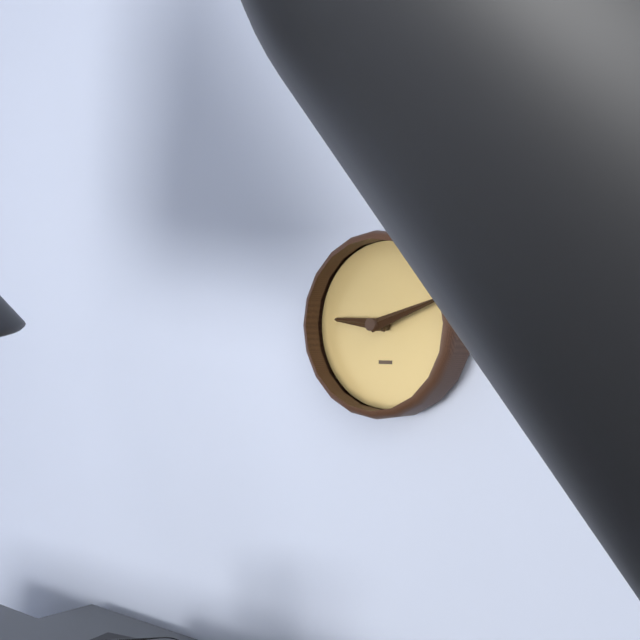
9:12
